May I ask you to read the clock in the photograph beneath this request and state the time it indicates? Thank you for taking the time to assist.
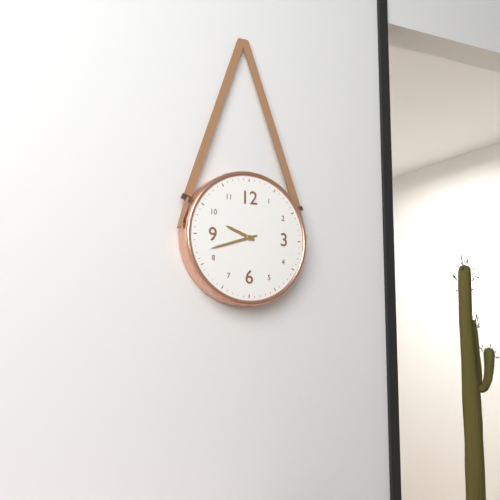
9:42
